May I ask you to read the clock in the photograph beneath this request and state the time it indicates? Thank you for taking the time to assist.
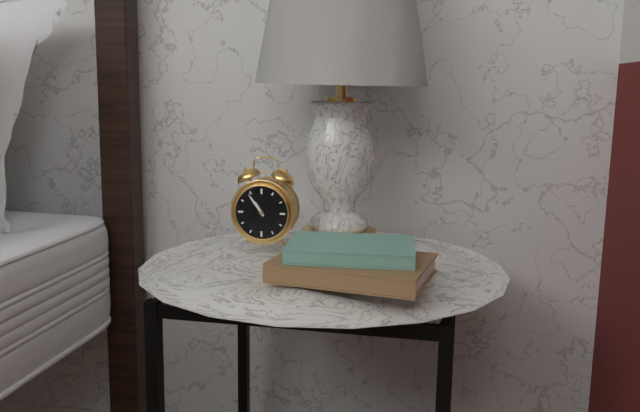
10:54
